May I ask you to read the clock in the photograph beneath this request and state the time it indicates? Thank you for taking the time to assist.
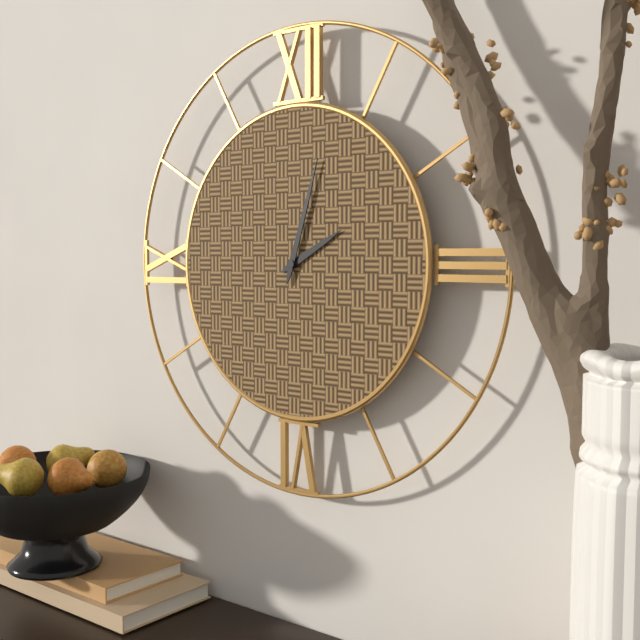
2:03
